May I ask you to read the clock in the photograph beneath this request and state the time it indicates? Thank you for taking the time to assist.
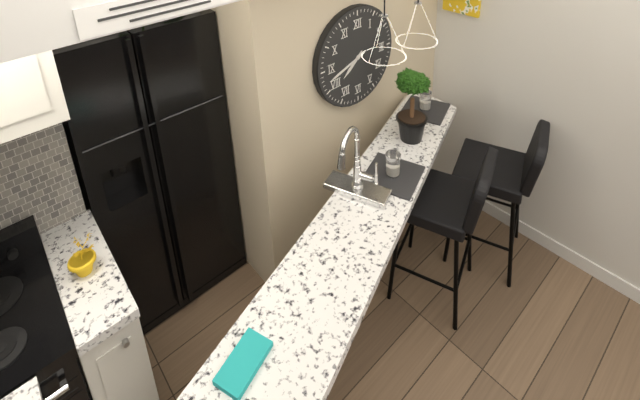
7:42
